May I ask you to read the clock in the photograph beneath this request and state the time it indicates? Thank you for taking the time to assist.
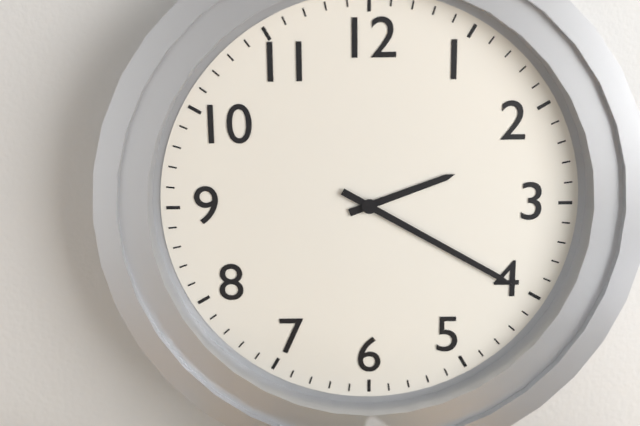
2:20
